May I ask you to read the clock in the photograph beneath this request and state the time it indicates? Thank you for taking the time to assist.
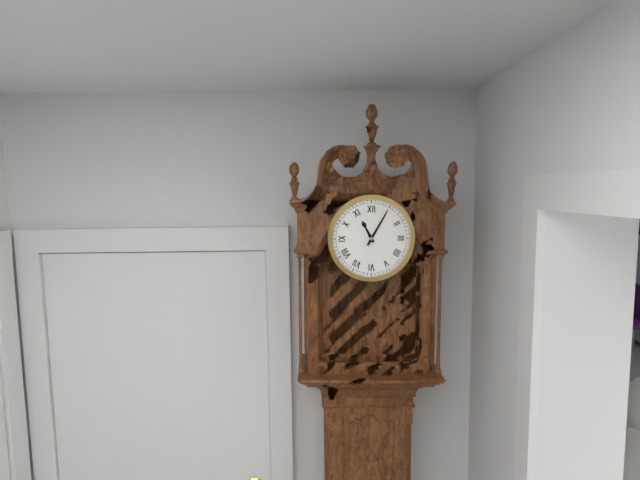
11:05
